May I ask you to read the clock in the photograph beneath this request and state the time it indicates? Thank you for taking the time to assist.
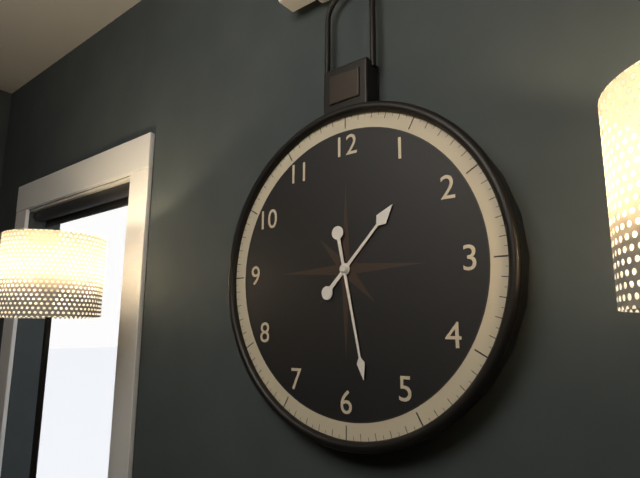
1:28
